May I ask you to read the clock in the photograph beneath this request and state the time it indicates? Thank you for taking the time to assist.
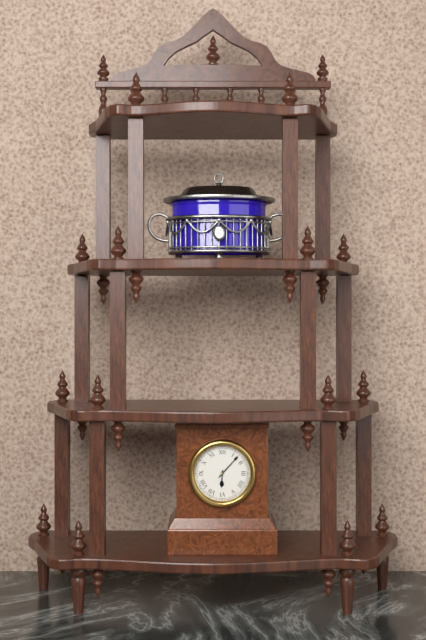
6:07
